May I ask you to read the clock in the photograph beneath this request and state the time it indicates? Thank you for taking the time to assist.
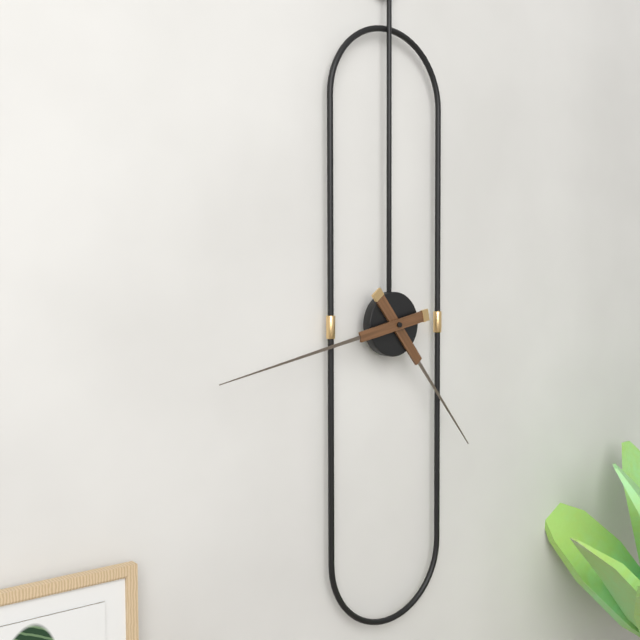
4:43
